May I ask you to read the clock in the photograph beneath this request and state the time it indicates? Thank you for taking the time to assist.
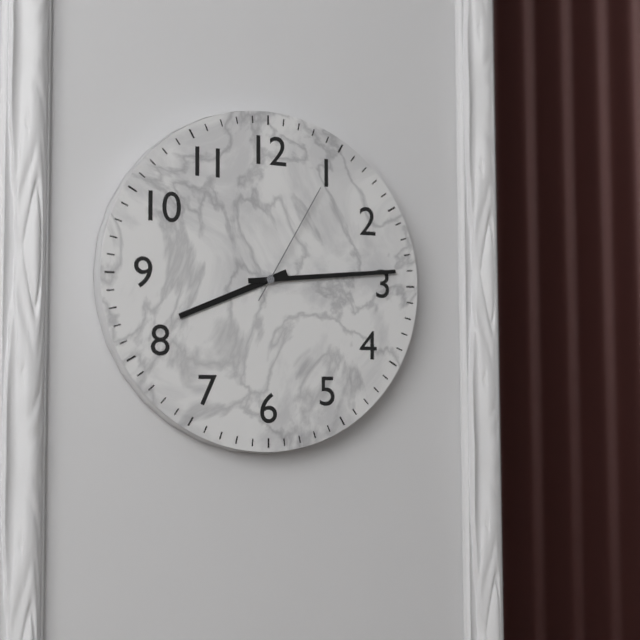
8:14:05
